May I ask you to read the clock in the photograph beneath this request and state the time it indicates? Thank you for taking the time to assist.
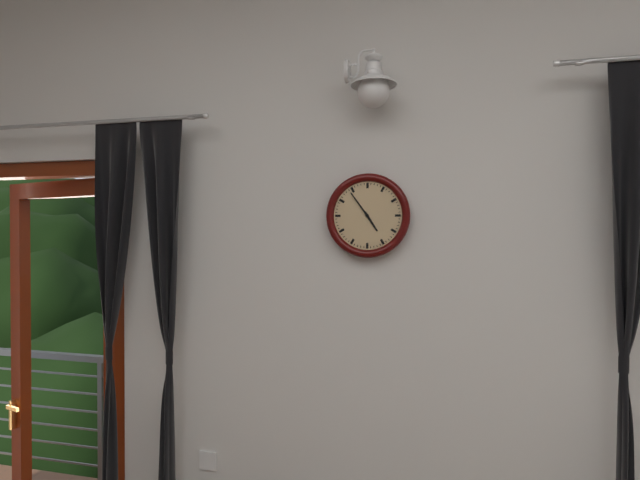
4:54
